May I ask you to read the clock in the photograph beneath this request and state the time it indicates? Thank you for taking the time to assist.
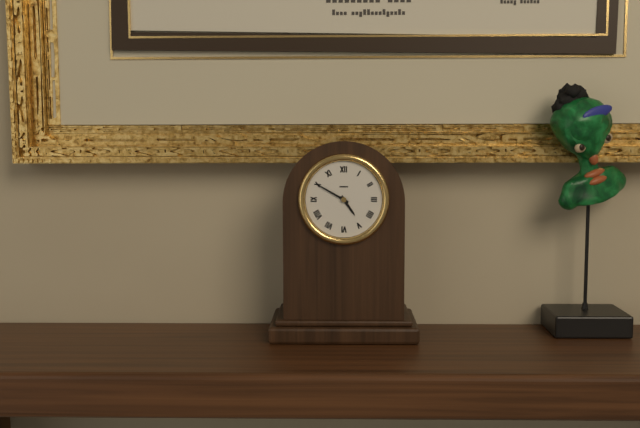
4:50
